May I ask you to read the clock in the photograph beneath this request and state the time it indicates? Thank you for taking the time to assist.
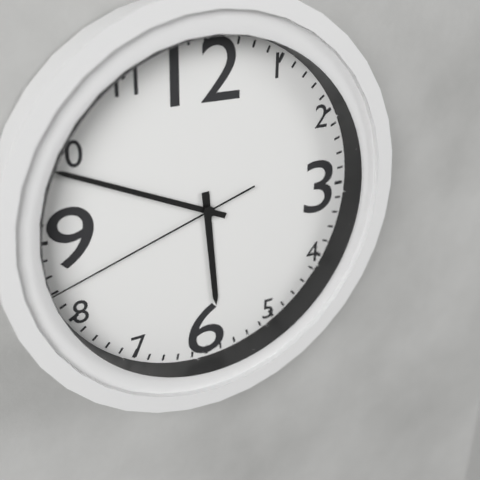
5:49:42
